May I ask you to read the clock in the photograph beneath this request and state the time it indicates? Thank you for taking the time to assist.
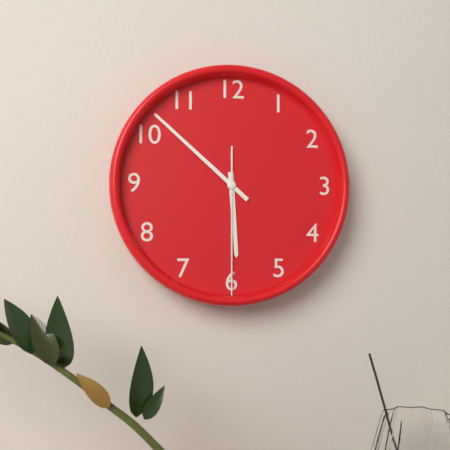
5:52:30
